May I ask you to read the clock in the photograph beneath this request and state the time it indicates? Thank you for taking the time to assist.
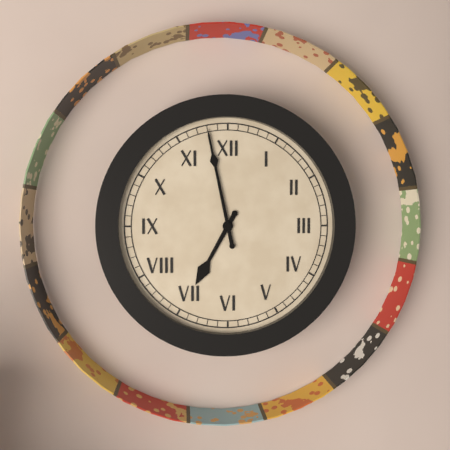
6:58
